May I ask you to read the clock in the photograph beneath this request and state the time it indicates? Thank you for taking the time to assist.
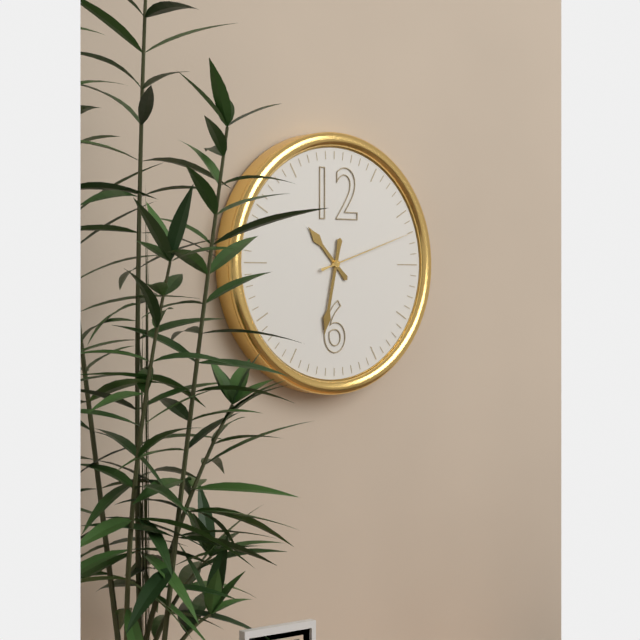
10:32:12
